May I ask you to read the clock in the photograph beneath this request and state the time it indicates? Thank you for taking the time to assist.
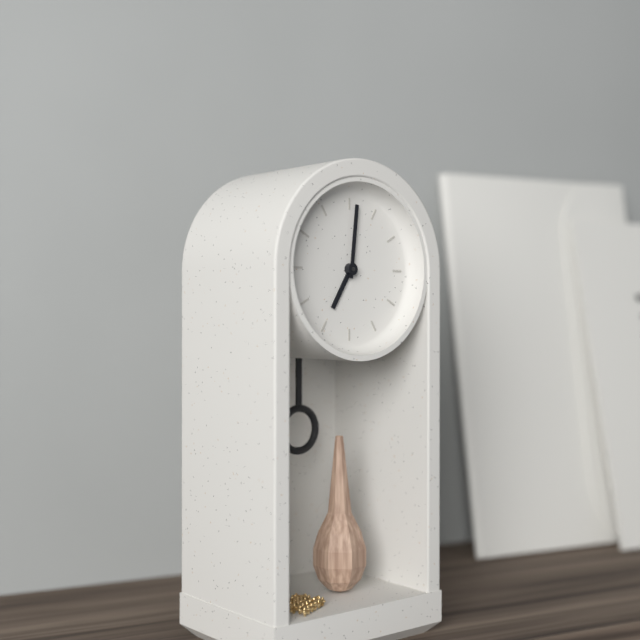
7:01
